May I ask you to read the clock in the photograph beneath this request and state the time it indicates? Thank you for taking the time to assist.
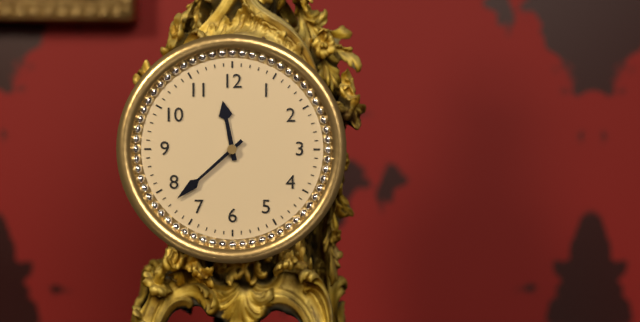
11:38
